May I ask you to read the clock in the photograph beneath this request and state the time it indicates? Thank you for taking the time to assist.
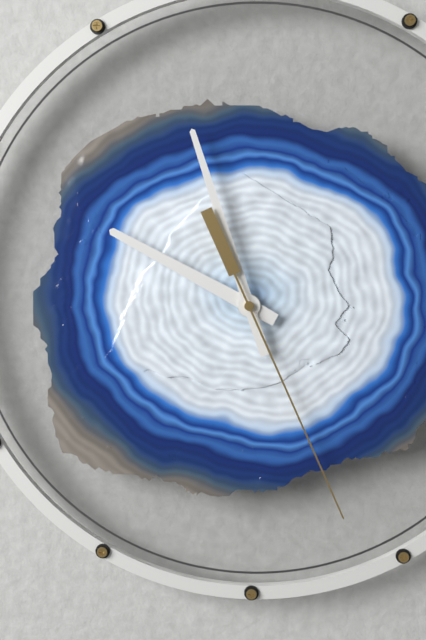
9:57:26
